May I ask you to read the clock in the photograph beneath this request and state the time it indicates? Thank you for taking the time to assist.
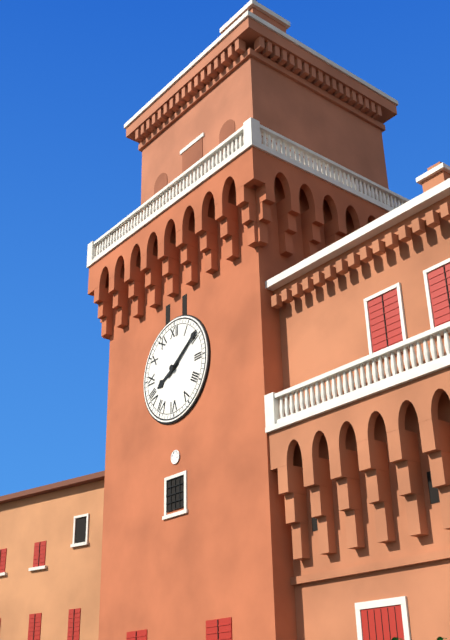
8:09
